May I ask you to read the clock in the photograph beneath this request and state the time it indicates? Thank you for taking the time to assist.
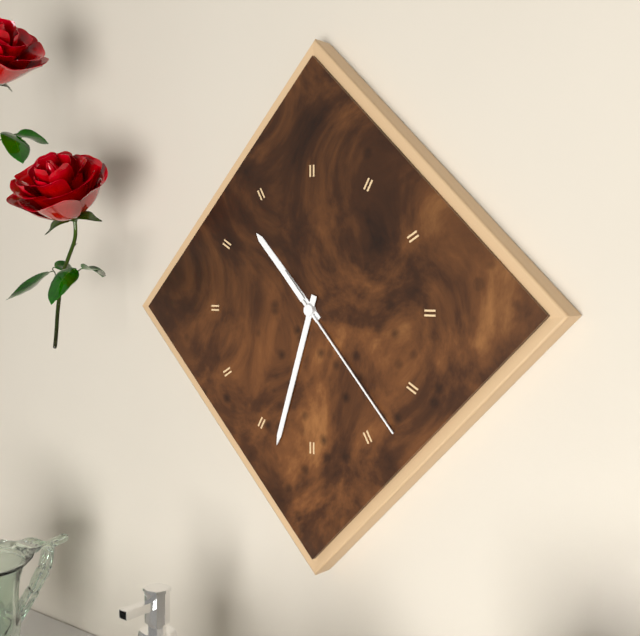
10:33:23
